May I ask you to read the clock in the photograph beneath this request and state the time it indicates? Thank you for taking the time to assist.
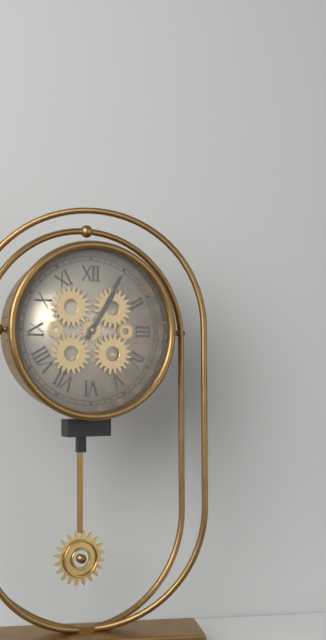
1:05
